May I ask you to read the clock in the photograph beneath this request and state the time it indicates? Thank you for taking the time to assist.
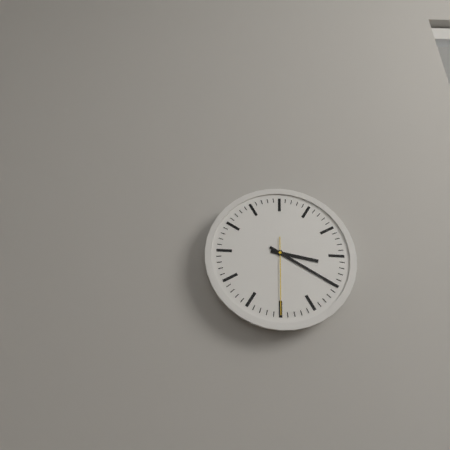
3:20:30
